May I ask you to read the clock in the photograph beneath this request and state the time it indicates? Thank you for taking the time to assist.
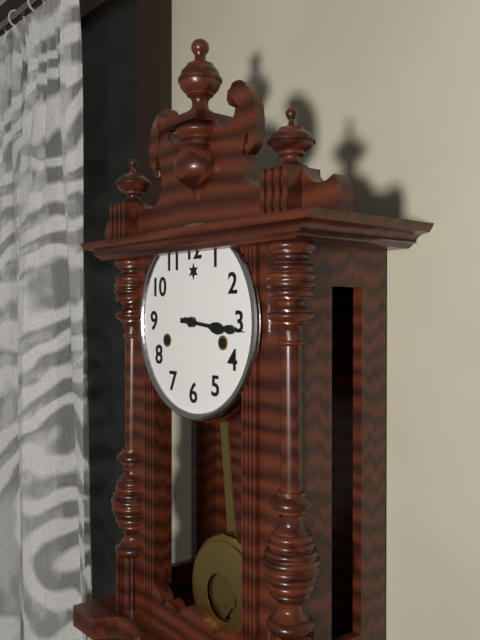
3:16
